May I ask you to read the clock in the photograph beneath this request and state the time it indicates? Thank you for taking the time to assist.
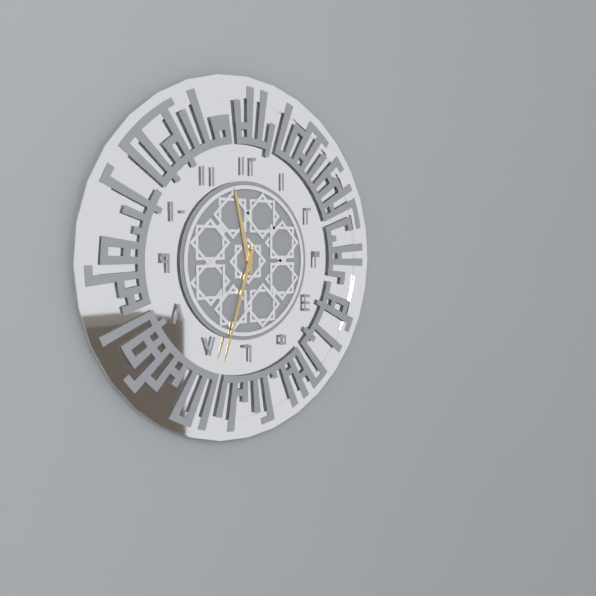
11:33
